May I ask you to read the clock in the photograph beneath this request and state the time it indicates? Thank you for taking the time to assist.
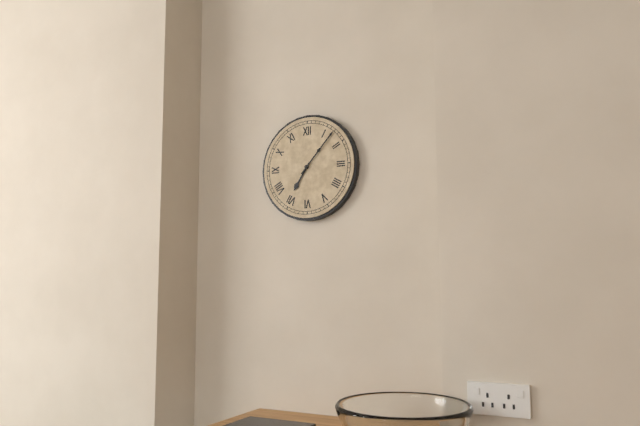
7:07
